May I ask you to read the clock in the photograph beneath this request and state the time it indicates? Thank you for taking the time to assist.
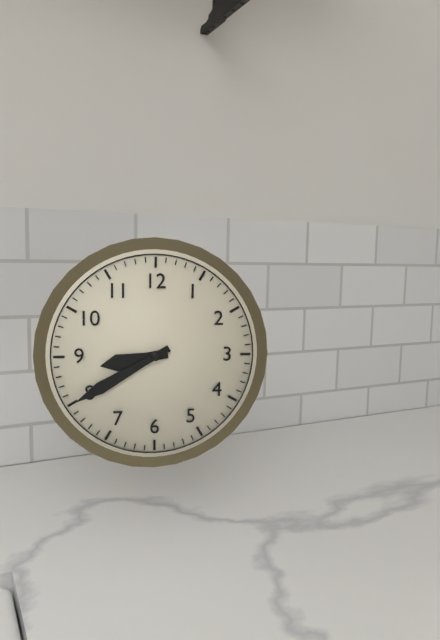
8:40
